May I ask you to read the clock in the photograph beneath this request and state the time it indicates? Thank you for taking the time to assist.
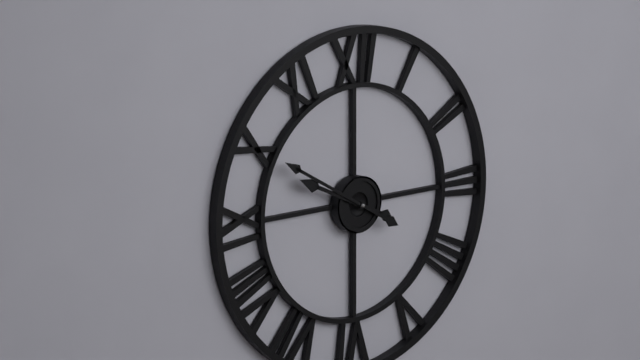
9:50
